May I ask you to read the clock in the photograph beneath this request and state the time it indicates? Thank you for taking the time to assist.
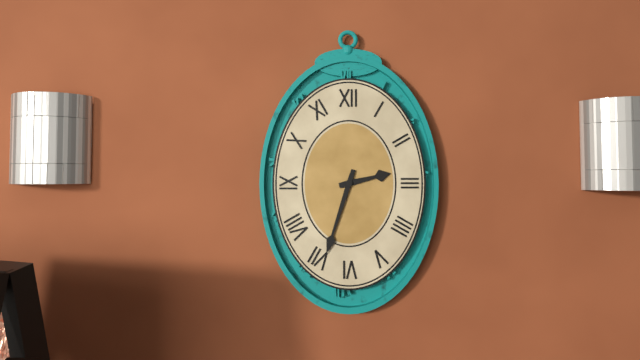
2:33
